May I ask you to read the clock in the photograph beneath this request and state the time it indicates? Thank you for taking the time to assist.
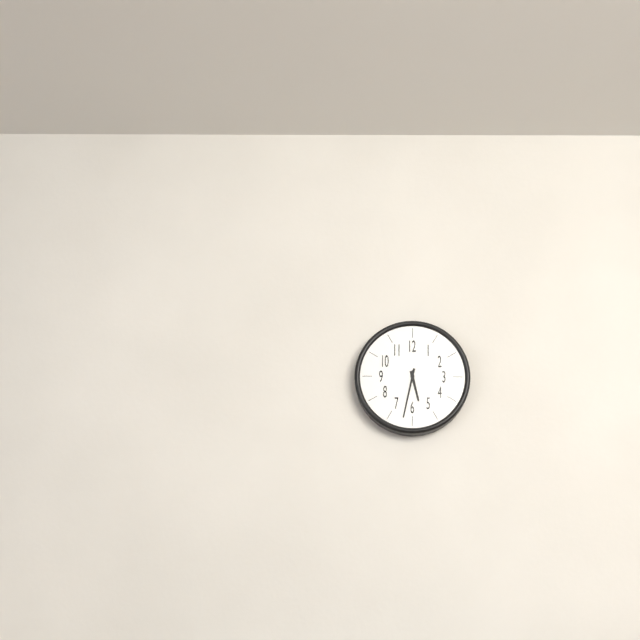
5:32
